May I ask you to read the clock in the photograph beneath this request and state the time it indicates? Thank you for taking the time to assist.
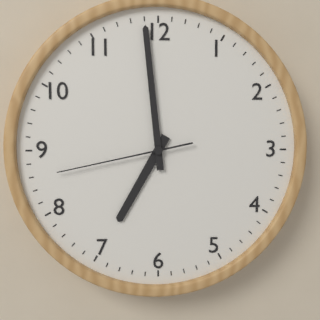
6:59:43
